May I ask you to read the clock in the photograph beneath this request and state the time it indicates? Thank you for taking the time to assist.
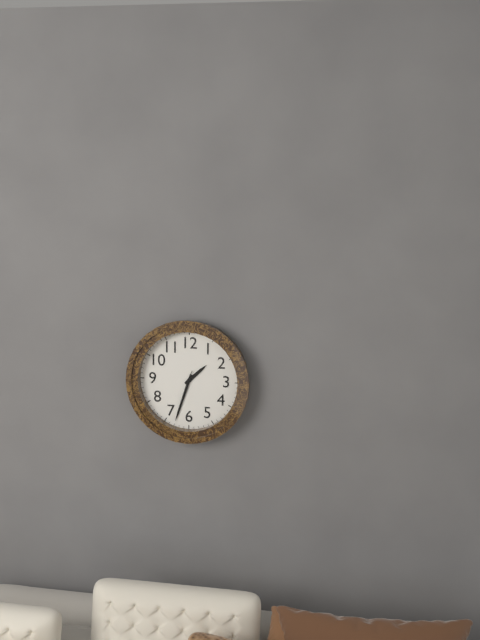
1:33:33
